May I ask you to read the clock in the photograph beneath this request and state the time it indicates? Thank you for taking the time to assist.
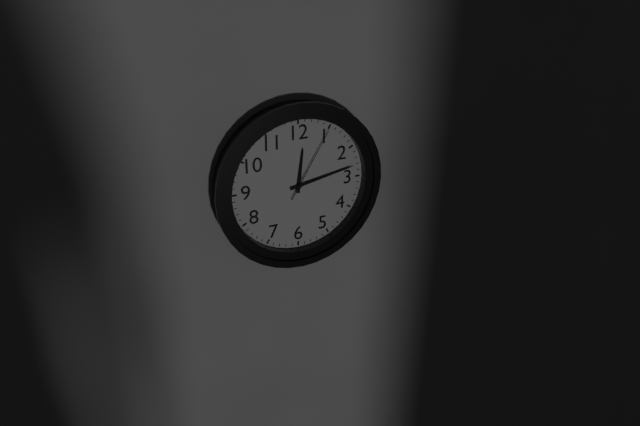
12:13:05
